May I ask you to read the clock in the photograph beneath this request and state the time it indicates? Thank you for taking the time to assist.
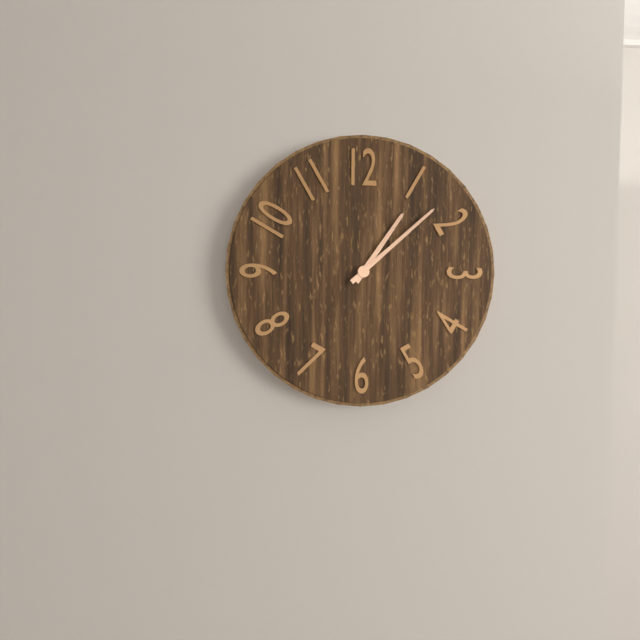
1:08
